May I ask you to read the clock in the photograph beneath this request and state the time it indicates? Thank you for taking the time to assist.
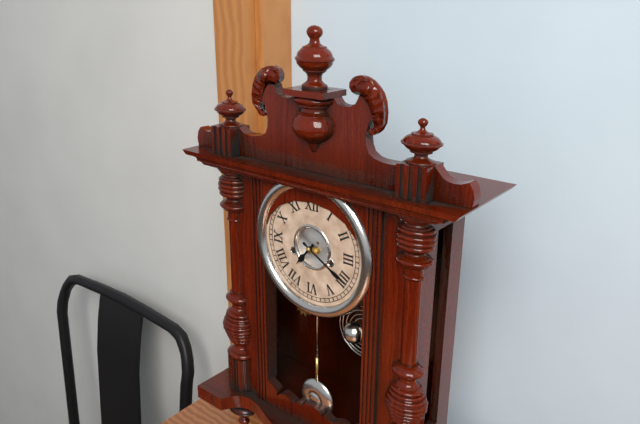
7:20
